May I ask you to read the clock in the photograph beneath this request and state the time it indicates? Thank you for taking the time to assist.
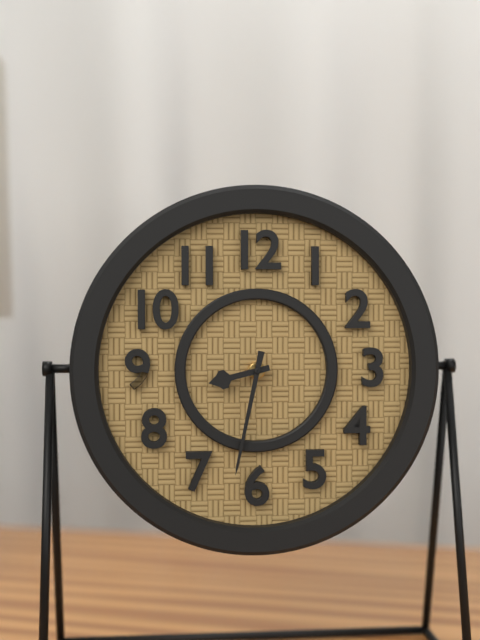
8:32
